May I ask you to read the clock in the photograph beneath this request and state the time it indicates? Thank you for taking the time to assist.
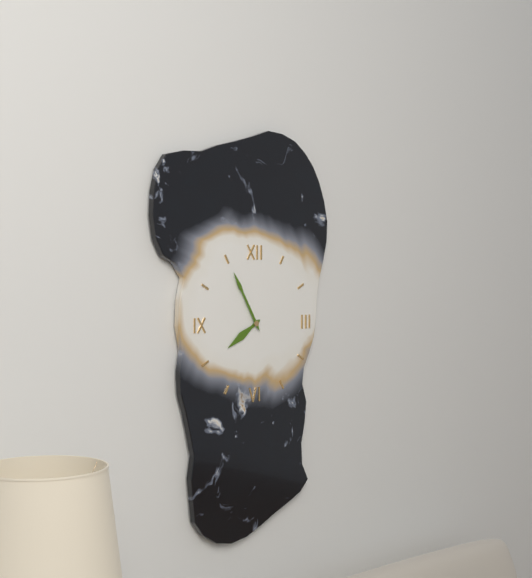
7:55
